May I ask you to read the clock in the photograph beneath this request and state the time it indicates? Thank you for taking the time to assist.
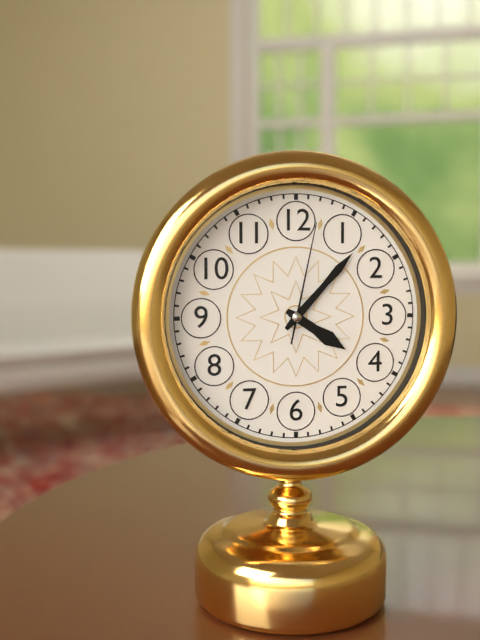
4:07:02
